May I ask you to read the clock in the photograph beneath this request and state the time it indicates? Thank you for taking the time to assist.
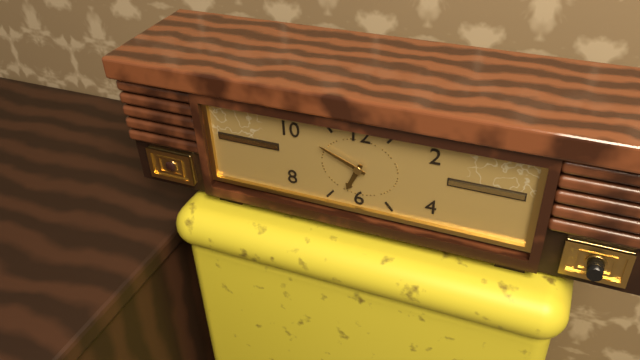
6:49
